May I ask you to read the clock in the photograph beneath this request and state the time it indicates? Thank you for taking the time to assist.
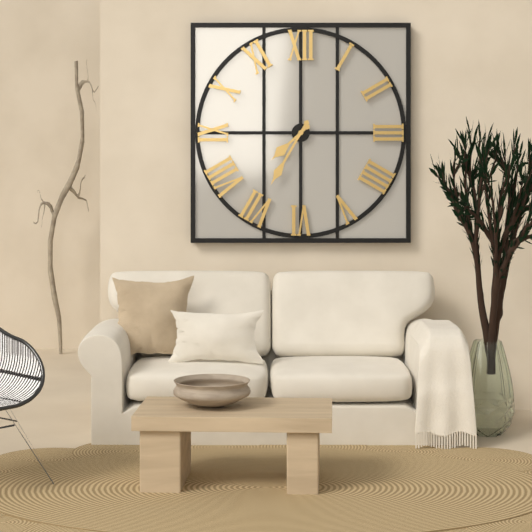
7:35
